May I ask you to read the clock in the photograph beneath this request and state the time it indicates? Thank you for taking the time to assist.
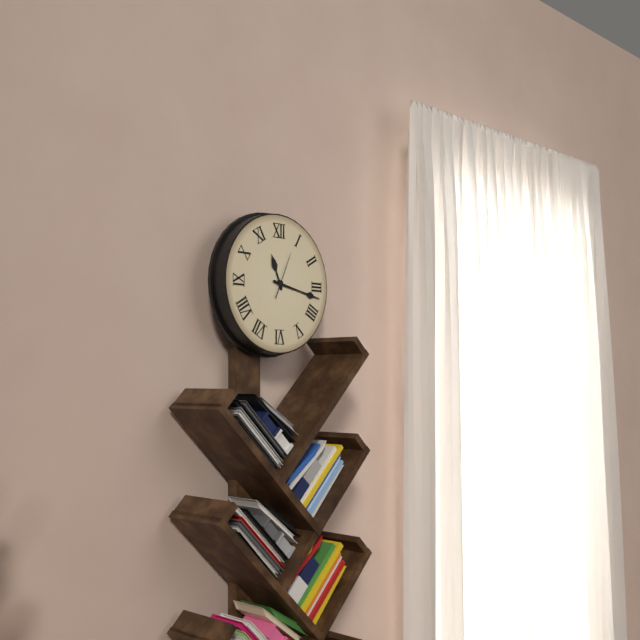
11:17
